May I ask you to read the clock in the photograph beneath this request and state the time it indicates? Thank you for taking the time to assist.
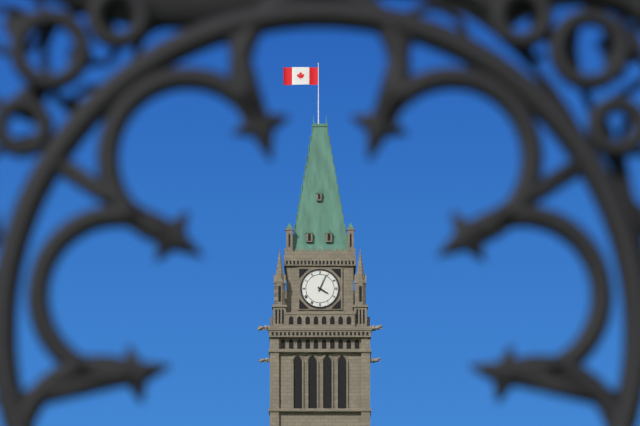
4:04
